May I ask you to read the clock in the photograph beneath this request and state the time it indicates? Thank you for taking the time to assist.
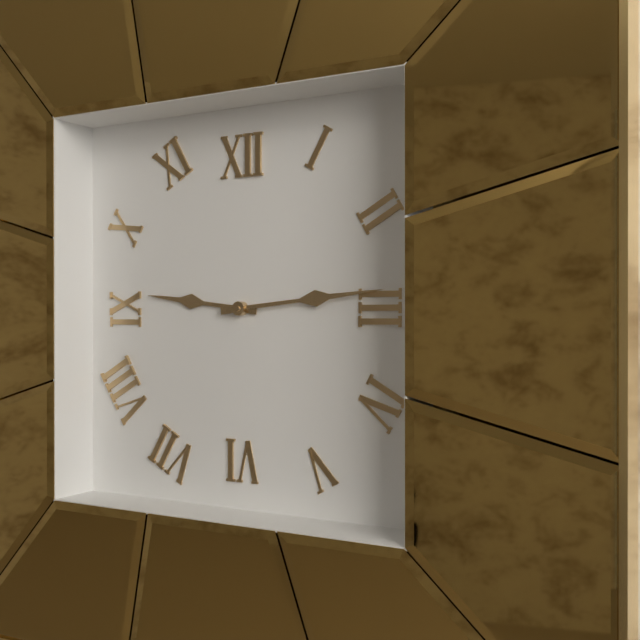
9:14
